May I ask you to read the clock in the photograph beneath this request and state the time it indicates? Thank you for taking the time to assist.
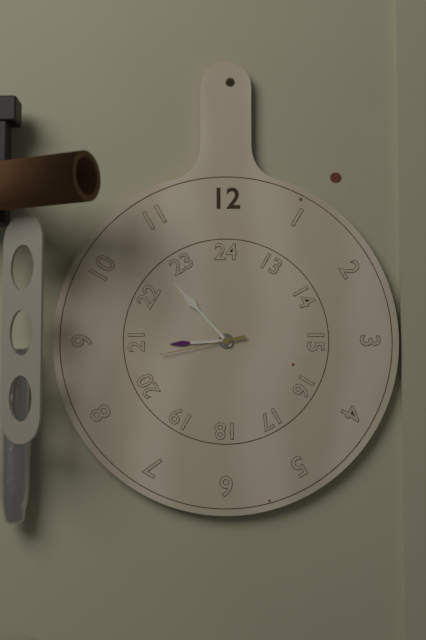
8:53:43
